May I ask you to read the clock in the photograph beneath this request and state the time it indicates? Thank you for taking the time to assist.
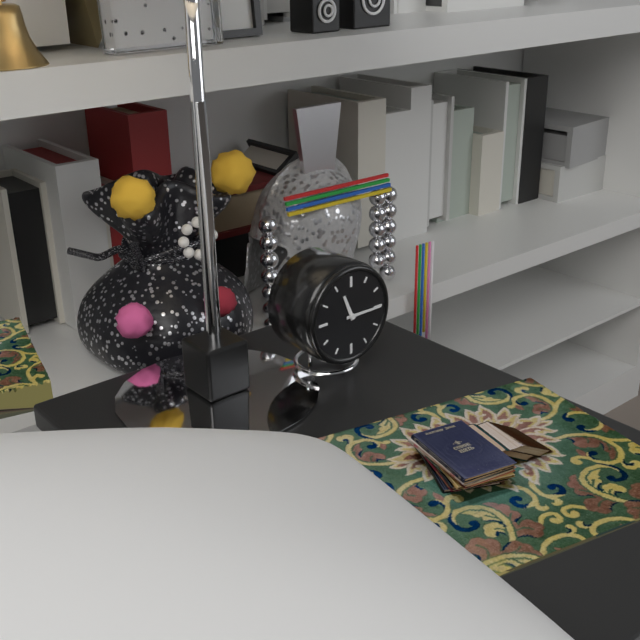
11:15
